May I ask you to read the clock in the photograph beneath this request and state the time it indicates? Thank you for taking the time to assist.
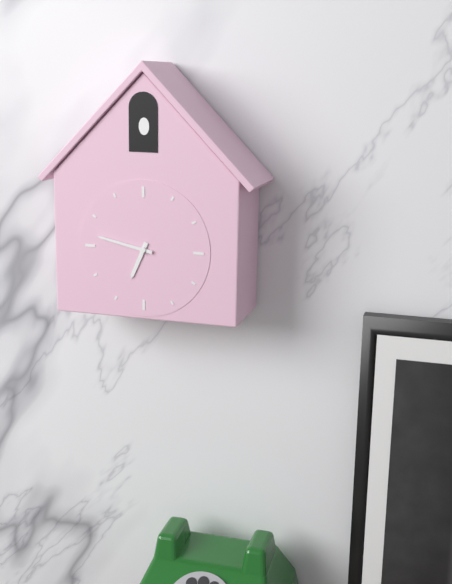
6:47
